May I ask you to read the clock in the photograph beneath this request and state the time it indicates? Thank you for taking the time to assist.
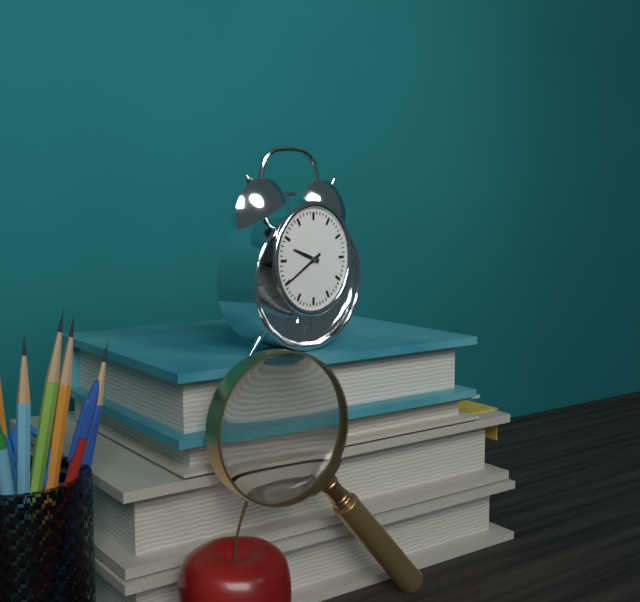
9:40
